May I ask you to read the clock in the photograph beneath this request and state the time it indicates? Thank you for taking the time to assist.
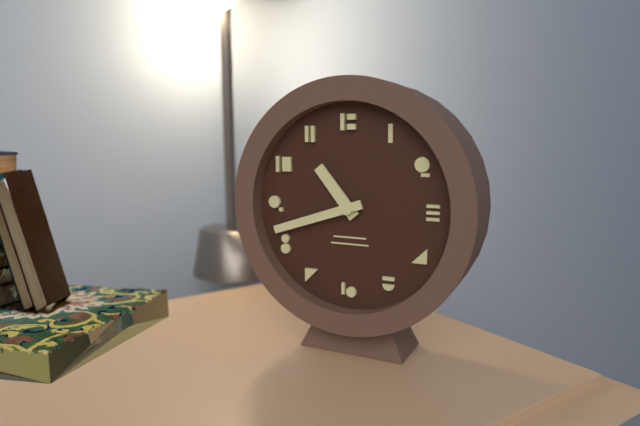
10:42
